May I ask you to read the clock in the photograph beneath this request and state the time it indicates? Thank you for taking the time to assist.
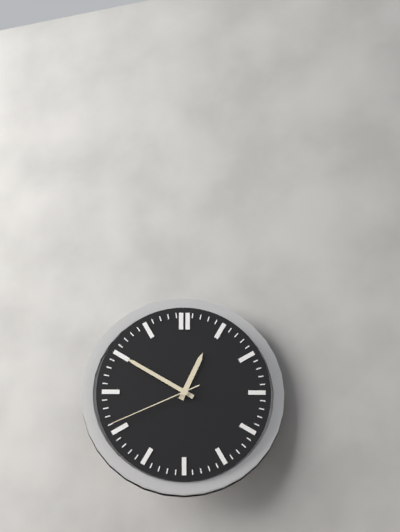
12:50:41
